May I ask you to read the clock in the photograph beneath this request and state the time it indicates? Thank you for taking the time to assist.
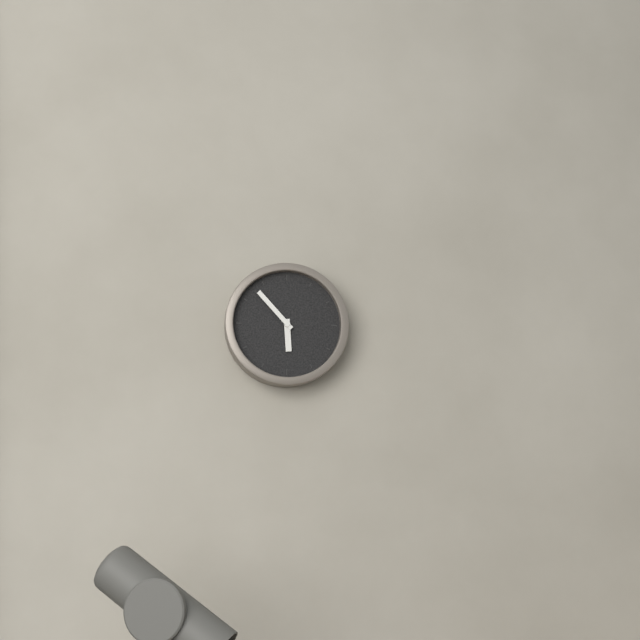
5:53
